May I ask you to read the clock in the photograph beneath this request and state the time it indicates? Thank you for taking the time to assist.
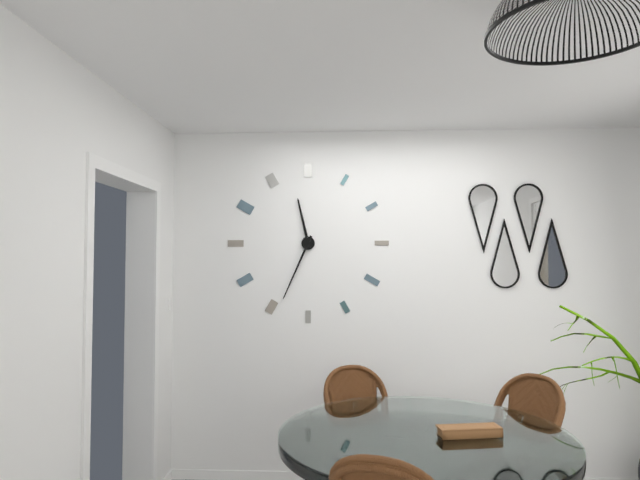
11:34
